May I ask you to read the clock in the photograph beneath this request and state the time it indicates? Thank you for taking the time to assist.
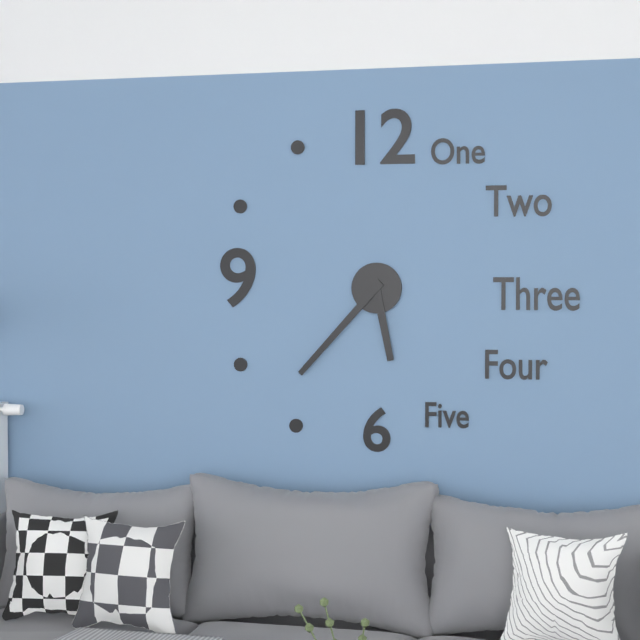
5:37
